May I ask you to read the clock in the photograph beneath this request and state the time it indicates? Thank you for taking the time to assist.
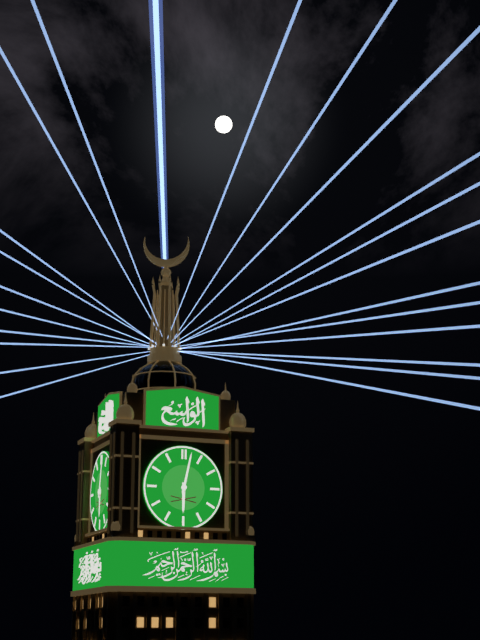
6:02
